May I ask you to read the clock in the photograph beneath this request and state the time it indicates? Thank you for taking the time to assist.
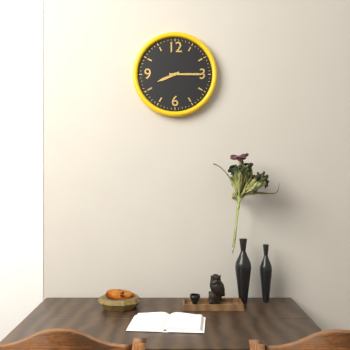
8:15
